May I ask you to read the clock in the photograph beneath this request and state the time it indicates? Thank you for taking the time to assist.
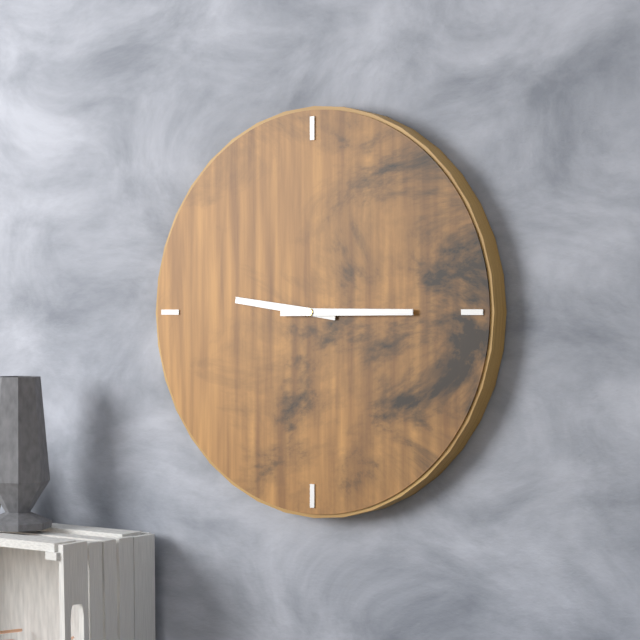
9:15
